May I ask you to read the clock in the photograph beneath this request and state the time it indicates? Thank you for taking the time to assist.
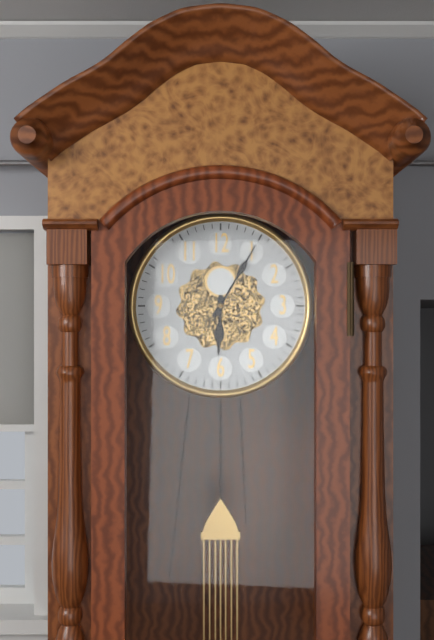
6:05
